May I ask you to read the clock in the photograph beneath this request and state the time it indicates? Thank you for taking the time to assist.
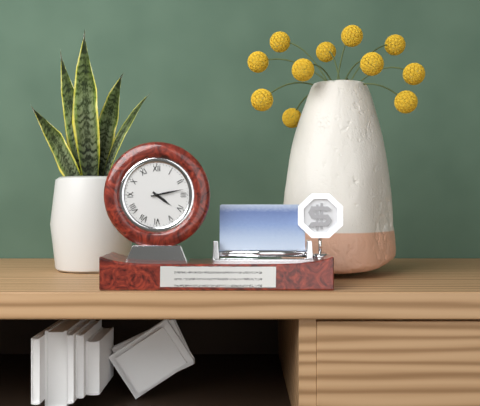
4:13
